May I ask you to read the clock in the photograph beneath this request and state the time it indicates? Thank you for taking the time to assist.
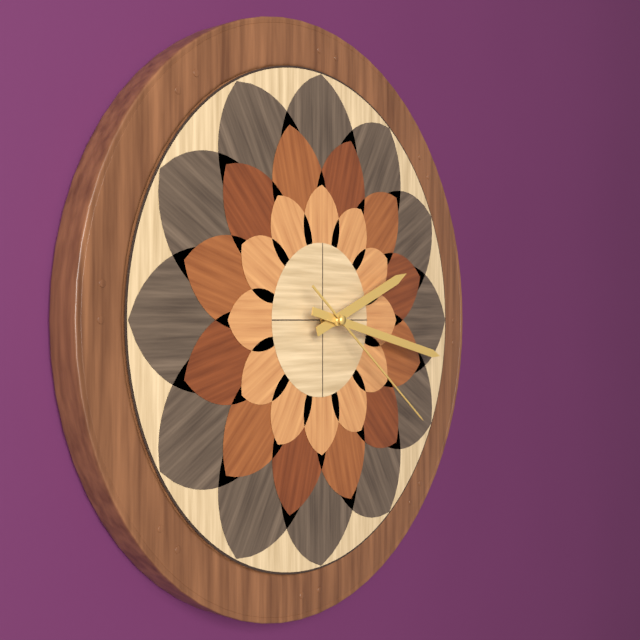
2:17:21
